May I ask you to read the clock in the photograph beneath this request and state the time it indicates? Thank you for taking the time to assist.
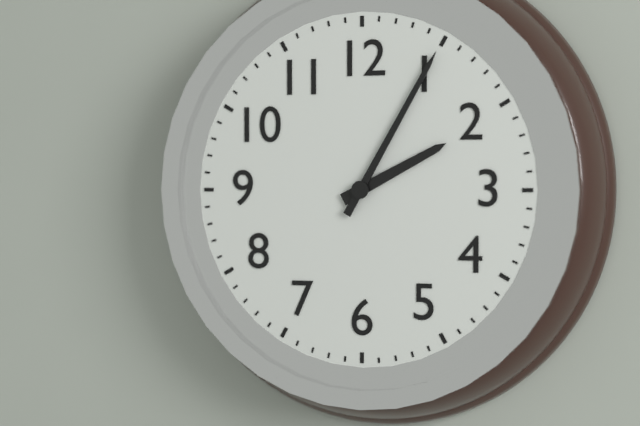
2:05
